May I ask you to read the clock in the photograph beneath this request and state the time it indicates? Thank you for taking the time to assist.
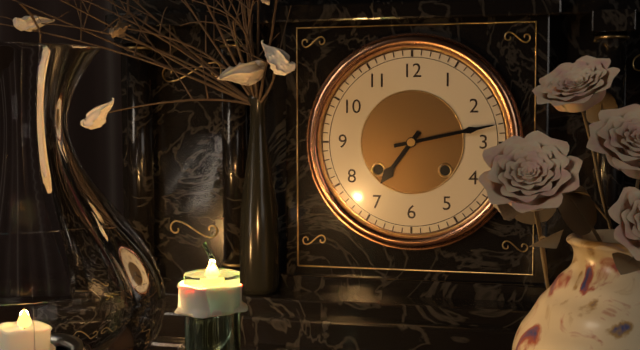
7:13
